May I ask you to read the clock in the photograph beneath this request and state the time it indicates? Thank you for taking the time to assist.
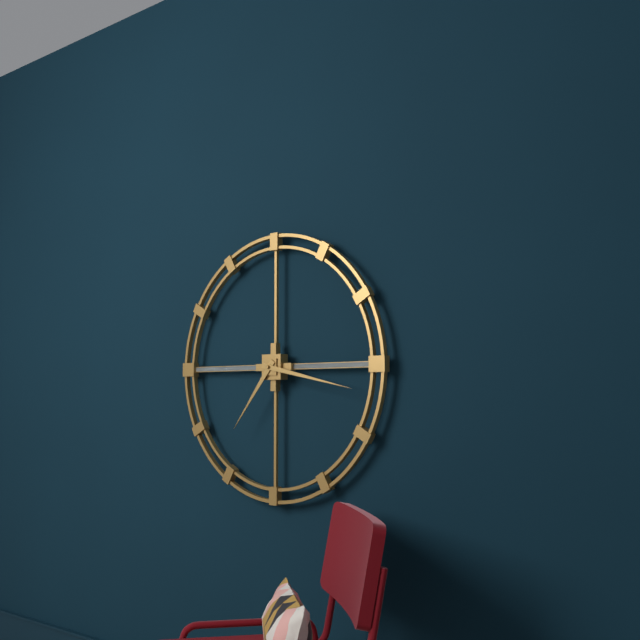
7:17
